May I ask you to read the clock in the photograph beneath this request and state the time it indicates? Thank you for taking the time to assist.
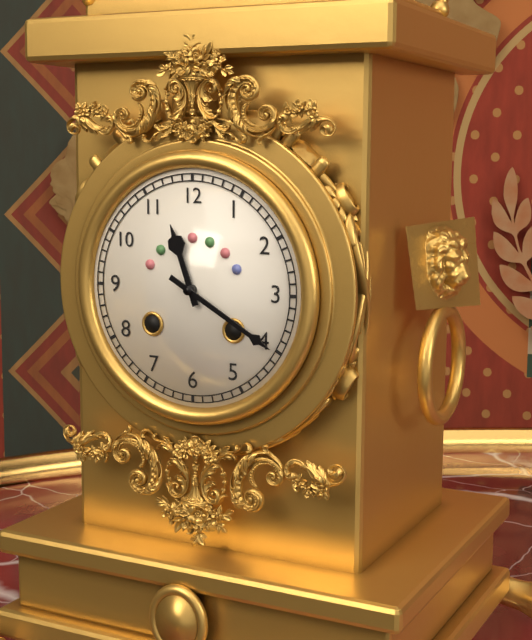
11:20
